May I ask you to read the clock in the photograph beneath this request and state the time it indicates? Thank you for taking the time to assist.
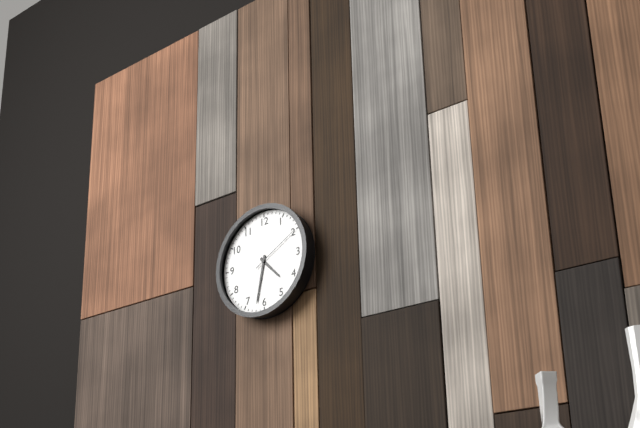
4:32:10
